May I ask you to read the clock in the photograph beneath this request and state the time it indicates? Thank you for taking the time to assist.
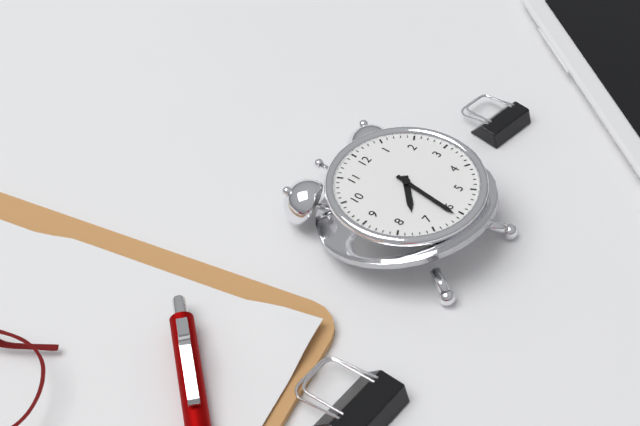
7:31
